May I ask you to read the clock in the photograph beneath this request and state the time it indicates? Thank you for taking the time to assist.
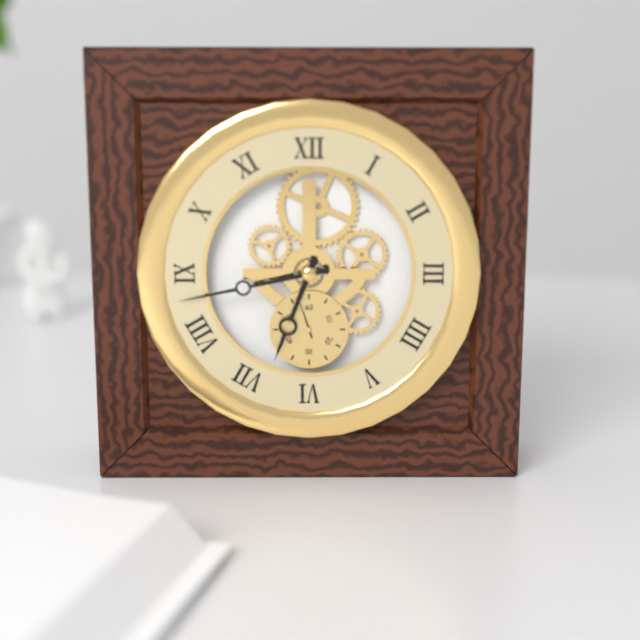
6:43
